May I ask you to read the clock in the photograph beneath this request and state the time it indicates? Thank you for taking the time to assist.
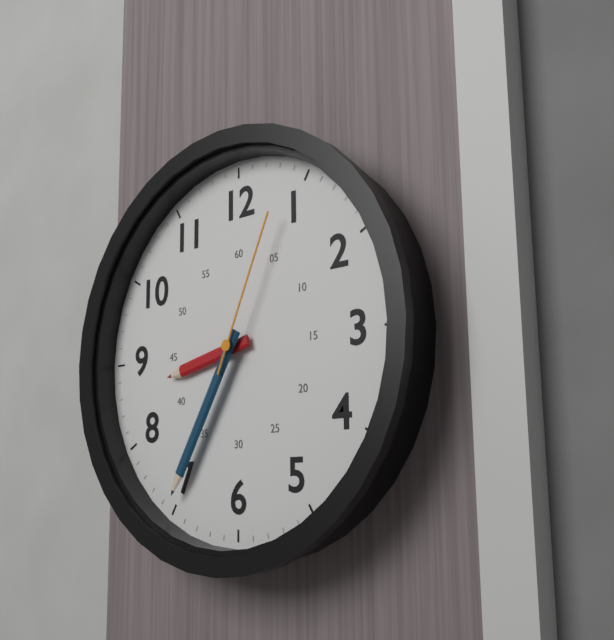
8:35:04
